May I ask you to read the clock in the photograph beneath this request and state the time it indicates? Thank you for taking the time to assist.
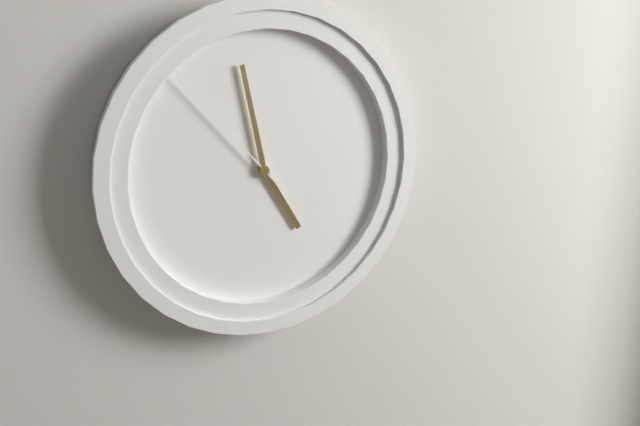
4:58:53
